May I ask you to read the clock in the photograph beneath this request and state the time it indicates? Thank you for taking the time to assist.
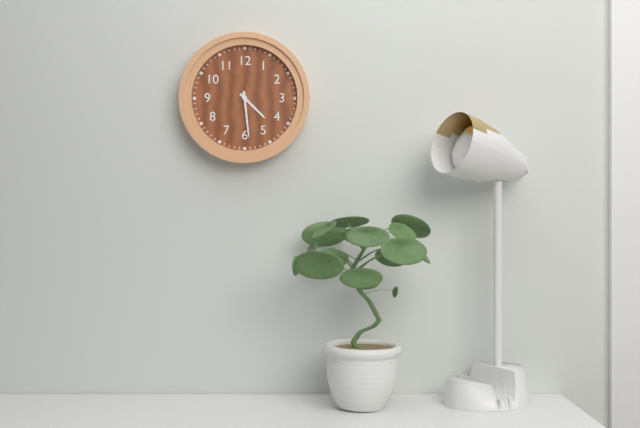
4:29
